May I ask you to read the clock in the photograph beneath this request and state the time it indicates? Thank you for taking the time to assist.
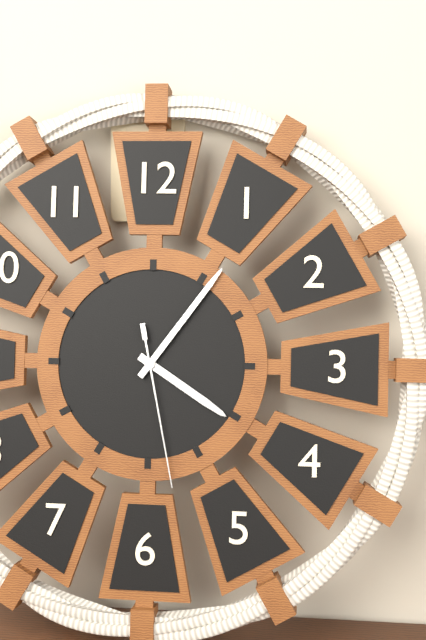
4:06:28
